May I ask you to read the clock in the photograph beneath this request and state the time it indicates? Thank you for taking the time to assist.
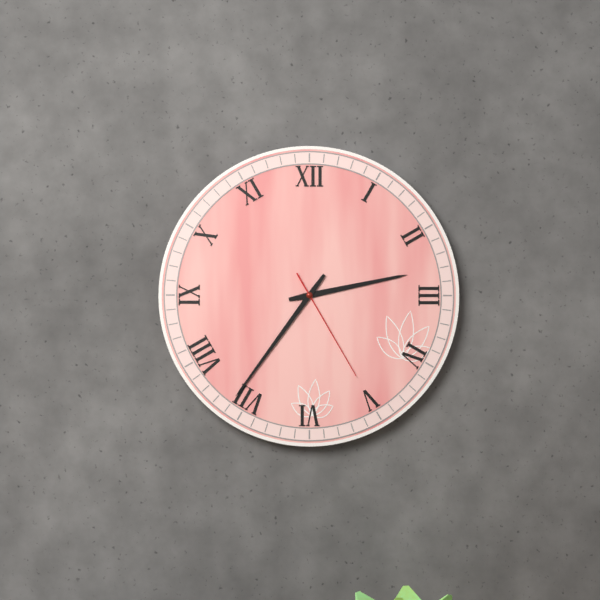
2:36:25
